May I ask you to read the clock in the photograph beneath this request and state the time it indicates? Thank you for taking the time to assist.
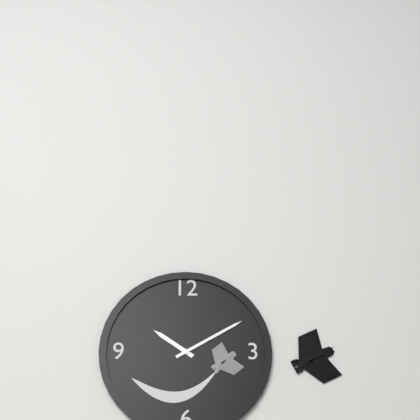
10:10
